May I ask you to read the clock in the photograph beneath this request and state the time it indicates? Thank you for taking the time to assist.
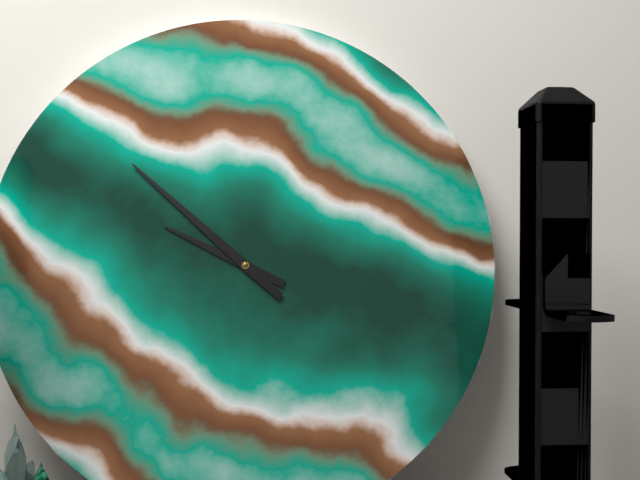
9:52
